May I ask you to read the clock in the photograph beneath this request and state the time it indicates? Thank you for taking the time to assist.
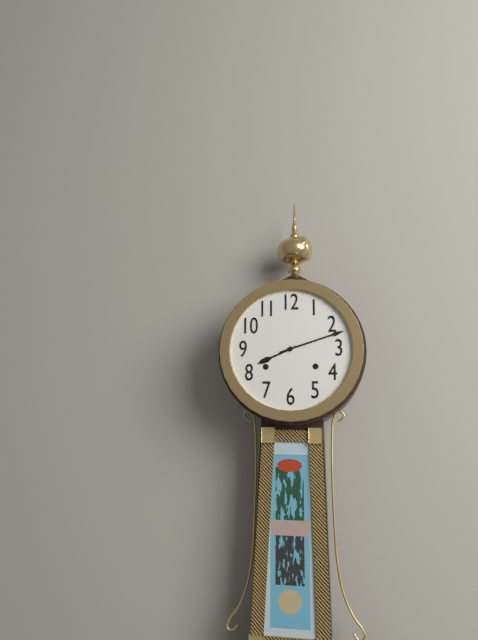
8:12
